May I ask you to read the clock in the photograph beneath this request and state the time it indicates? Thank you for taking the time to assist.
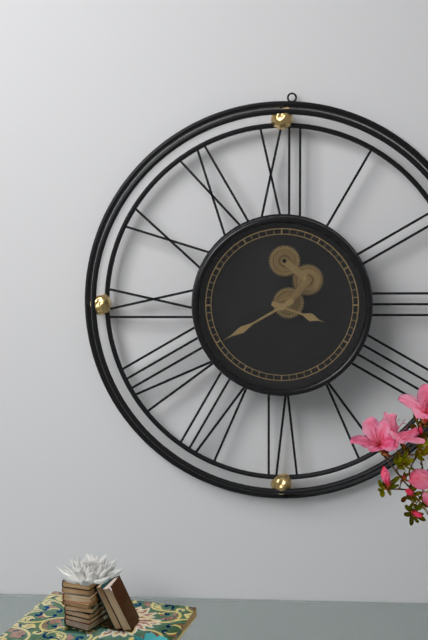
3:40
